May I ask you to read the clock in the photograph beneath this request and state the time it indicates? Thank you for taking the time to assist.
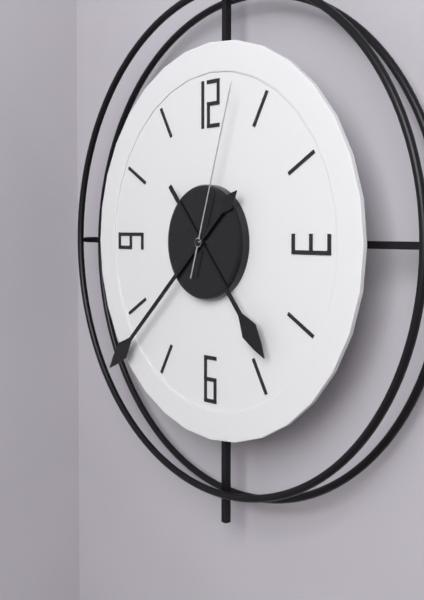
4:38:03
